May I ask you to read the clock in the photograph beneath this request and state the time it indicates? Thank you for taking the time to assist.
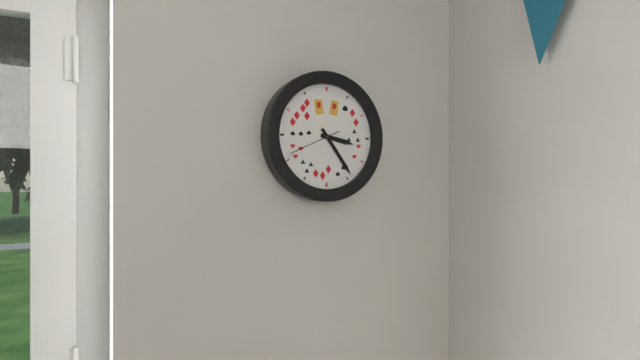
3:24
